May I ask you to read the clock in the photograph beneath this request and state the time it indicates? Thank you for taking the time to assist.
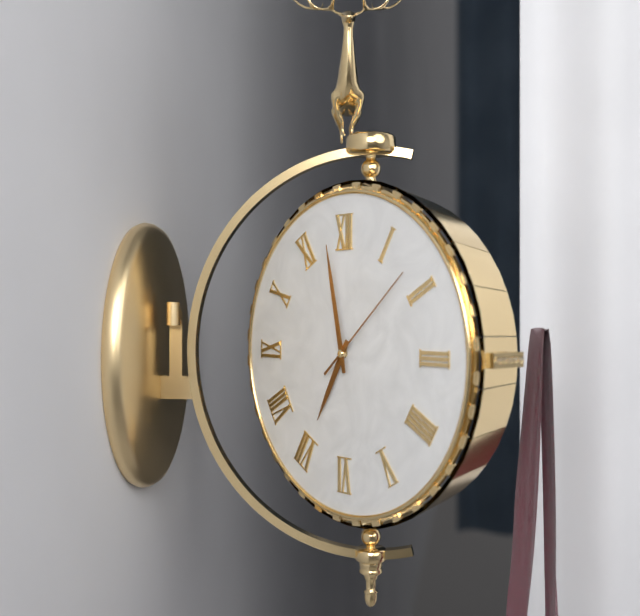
6:58:08
